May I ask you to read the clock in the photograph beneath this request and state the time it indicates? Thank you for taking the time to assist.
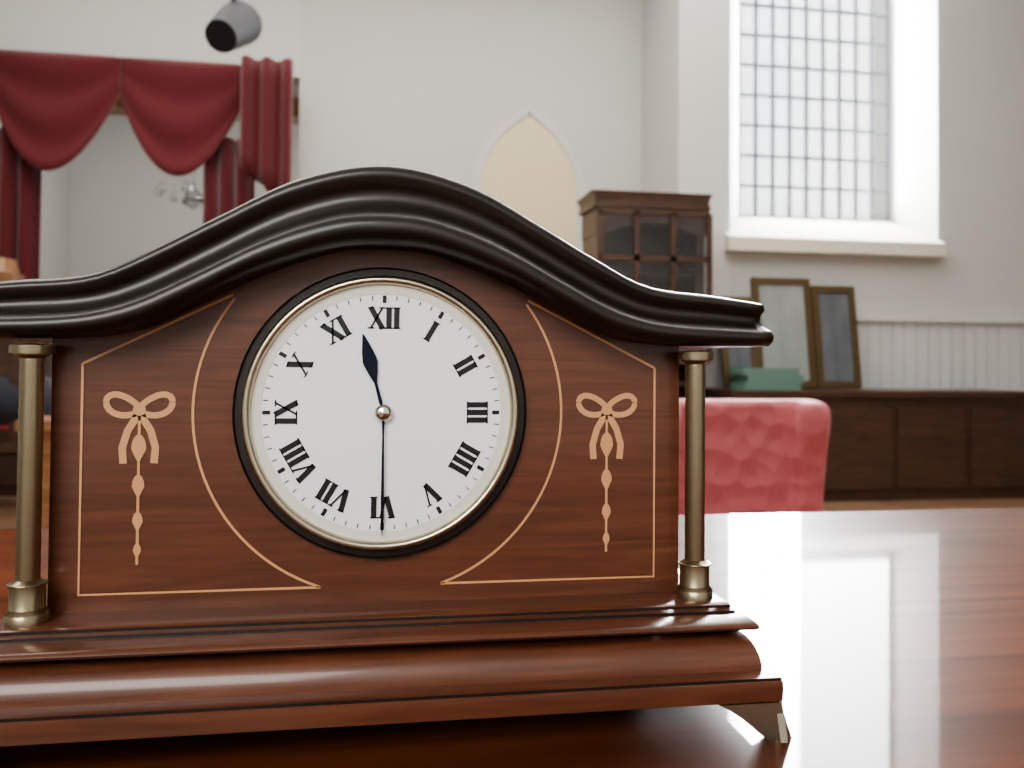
11:30
